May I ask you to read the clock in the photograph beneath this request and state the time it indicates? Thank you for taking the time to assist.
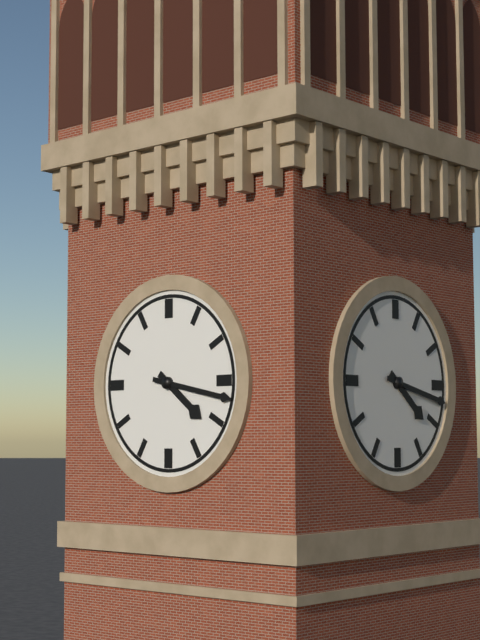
4:17
